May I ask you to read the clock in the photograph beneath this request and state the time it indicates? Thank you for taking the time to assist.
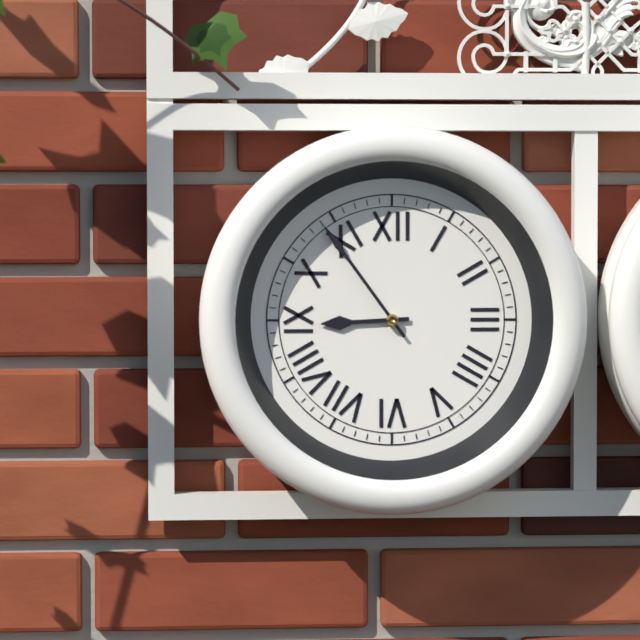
8:54
